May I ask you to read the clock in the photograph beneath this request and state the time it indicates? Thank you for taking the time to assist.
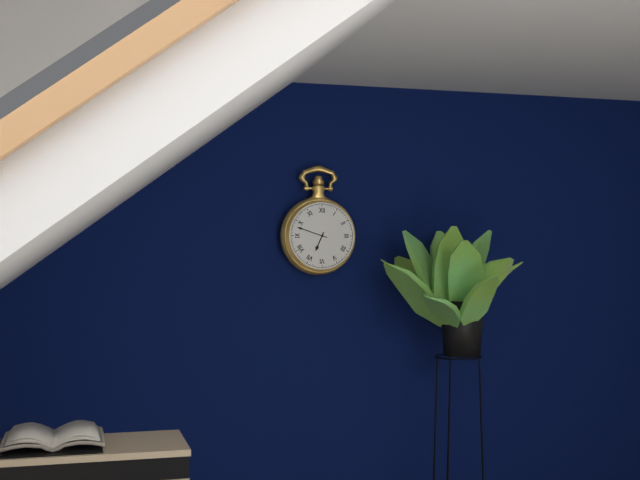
6:48
